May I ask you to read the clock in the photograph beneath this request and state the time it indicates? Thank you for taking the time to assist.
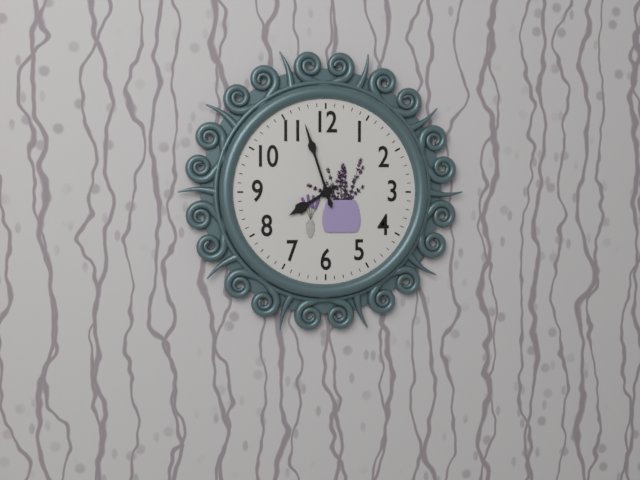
7:57
